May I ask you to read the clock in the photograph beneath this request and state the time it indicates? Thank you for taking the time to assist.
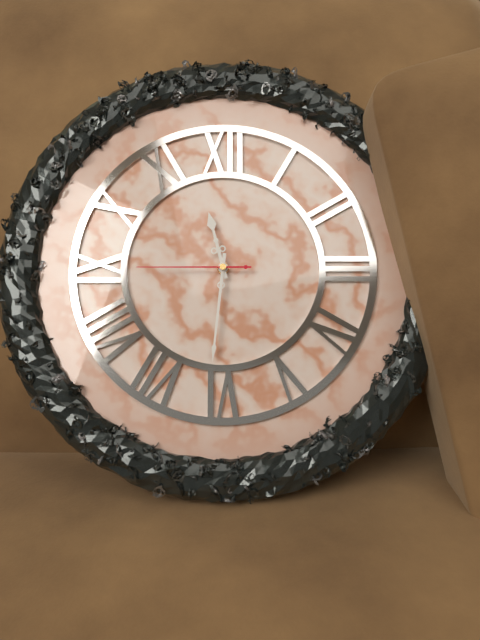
11:31:45
